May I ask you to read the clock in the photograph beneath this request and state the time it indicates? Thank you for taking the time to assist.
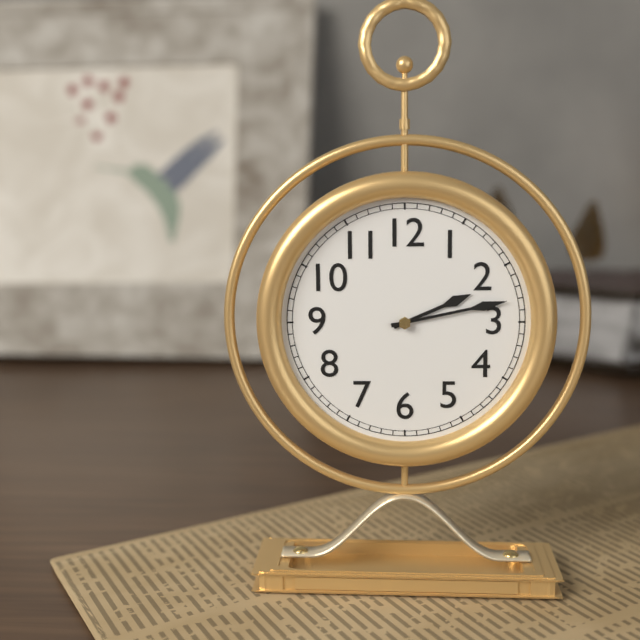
2:13
